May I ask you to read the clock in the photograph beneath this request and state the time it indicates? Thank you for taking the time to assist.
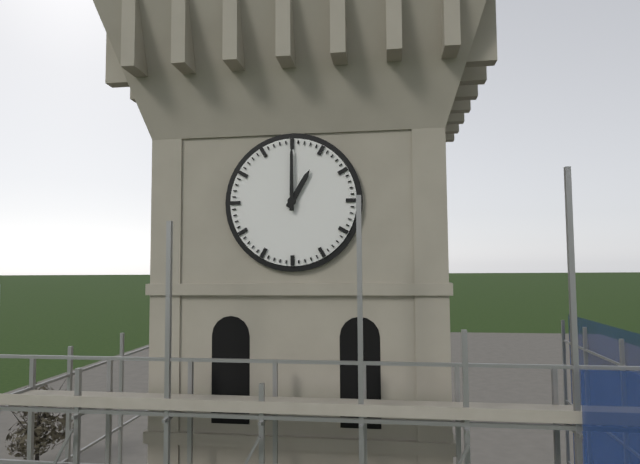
1:00
